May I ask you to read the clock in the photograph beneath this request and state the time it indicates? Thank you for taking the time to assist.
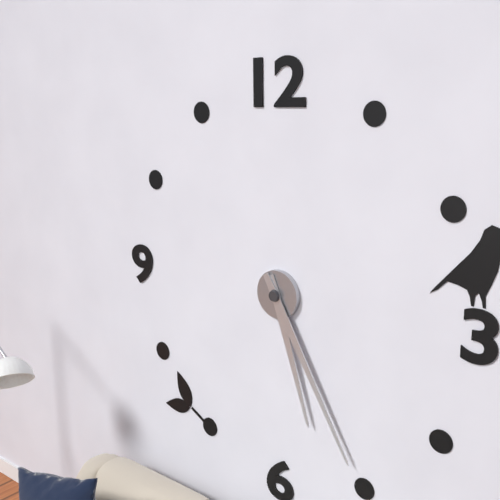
5:25
